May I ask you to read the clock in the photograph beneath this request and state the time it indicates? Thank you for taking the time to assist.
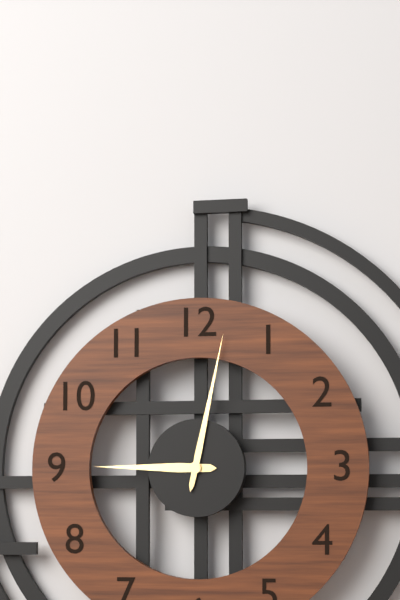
9:02
